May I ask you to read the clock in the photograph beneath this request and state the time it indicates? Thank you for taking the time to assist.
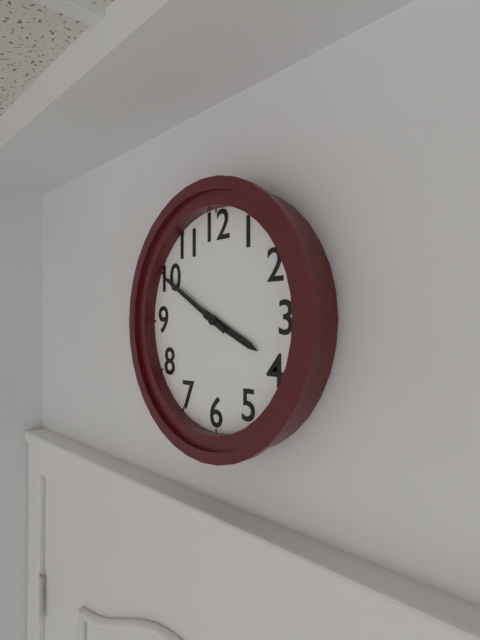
3:50
